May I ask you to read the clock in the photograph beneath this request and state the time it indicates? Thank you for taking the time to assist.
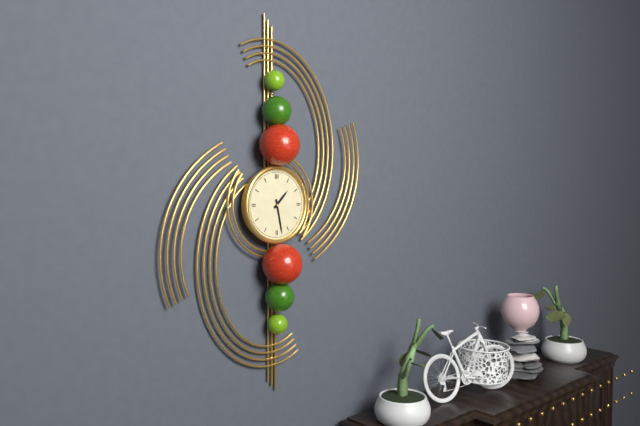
1:28
